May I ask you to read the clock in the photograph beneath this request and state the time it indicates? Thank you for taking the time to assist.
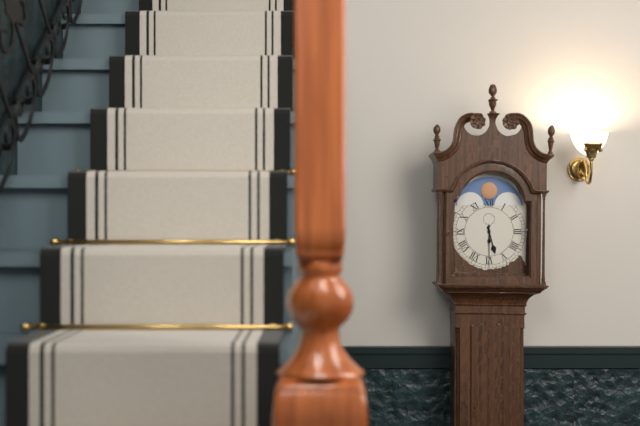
5:30
